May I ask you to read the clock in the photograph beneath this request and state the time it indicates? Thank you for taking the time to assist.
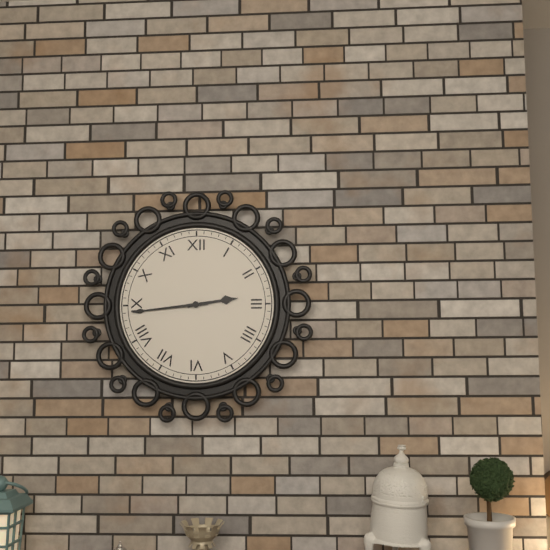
2:44
